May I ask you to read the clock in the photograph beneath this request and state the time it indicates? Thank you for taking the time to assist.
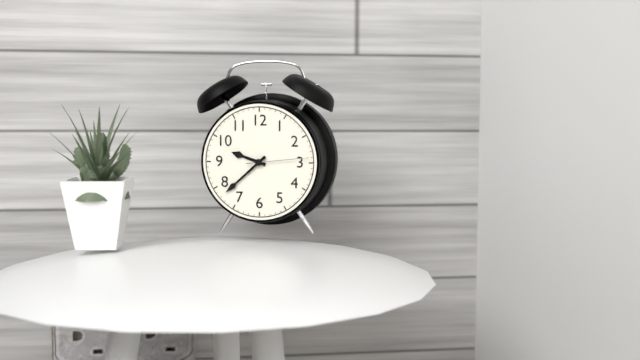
9:38:14
